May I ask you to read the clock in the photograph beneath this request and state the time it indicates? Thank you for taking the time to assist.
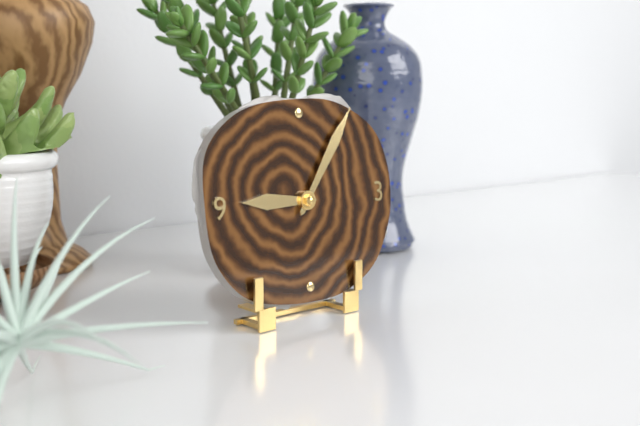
9:06
